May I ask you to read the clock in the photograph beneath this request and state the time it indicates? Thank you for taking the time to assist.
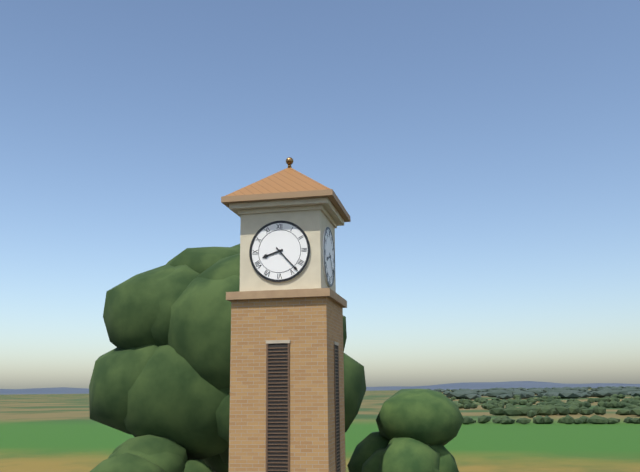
8:23
